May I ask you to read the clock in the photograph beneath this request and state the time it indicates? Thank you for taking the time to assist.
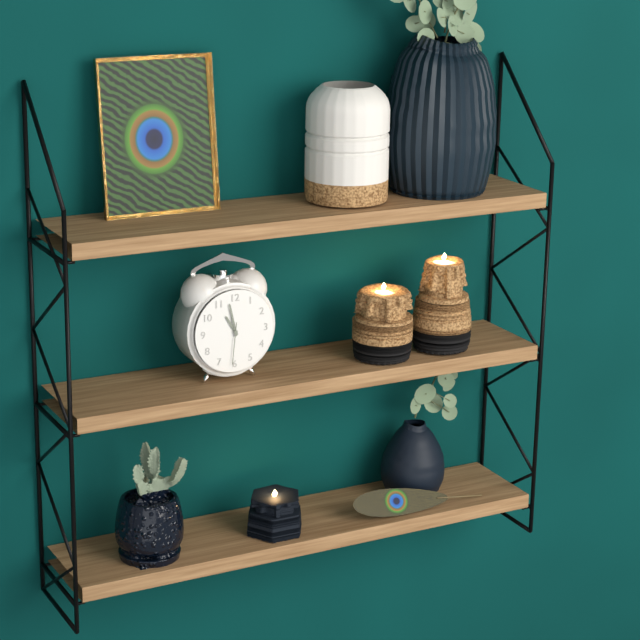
10:58
